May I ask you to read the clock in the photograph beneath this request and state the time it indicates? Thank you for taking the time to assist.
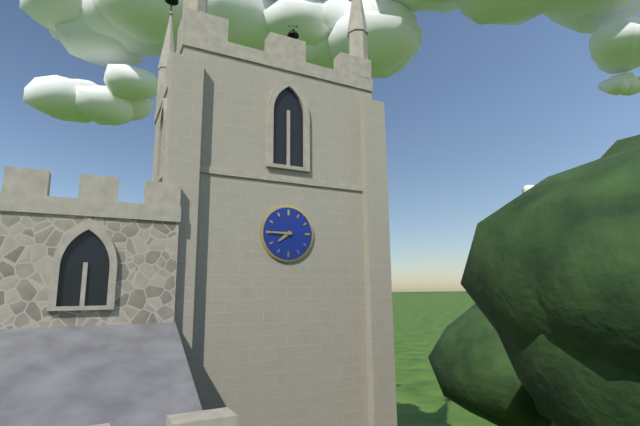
7:45
